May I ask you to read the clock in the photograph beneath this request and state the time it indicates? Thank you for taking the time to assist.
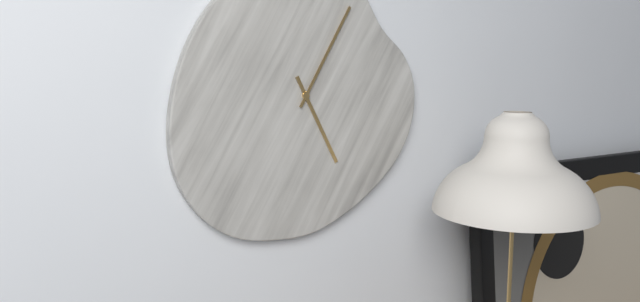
5:05
